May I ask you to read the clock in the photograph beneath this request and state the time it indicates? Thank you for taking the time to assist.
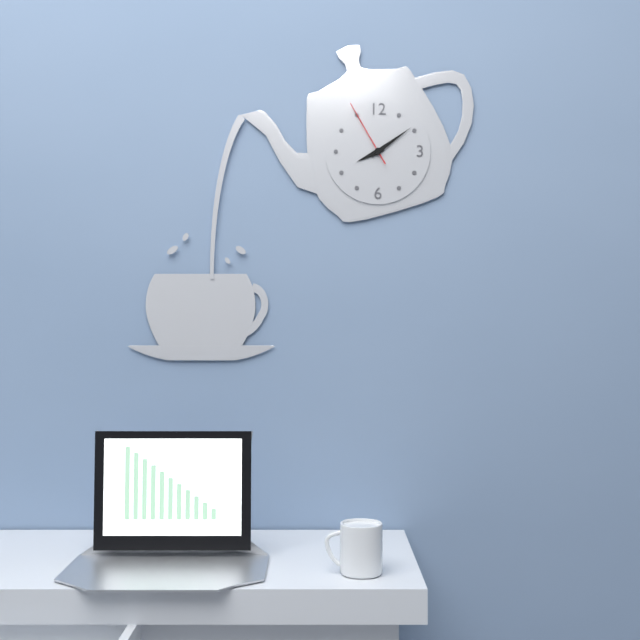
8:09:55
